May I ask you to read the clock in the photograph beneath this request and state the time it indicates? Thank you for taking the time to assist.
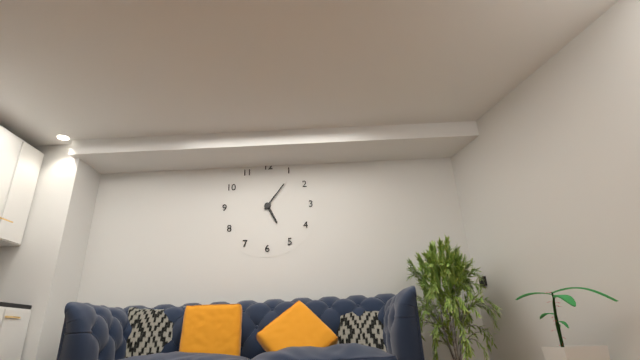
5:06
